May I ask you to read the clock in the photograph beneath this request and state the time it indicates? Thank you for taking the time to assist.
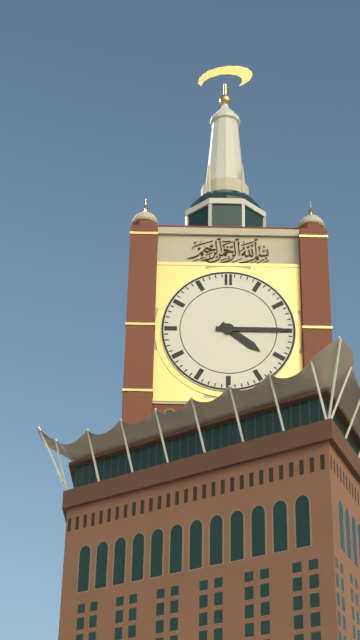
4:15
